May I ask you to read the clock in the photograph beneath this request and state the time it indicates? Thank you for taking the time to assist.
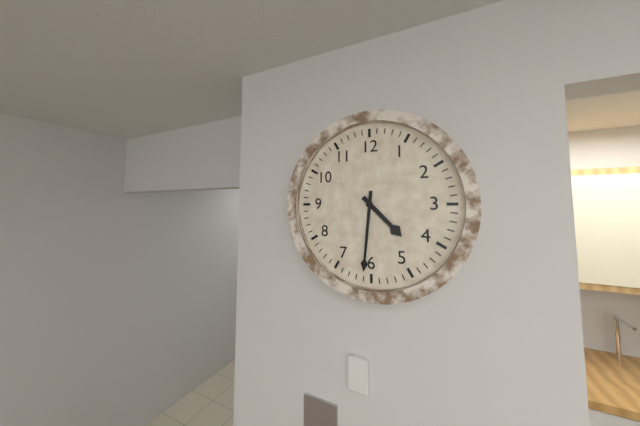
4:31
